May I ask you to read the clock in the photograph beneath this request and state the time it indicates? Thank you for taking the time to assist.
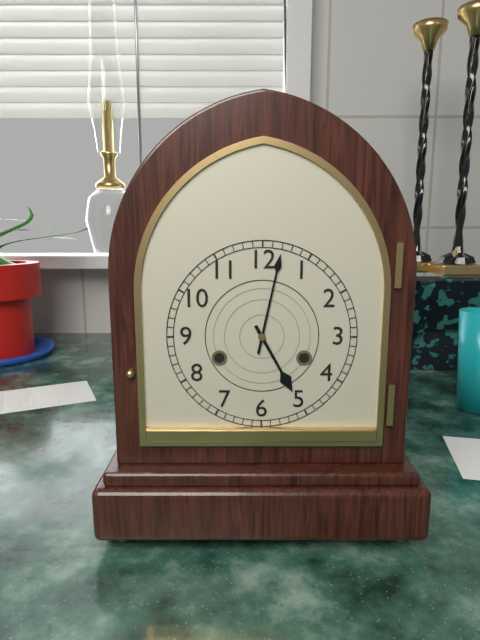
5:02
